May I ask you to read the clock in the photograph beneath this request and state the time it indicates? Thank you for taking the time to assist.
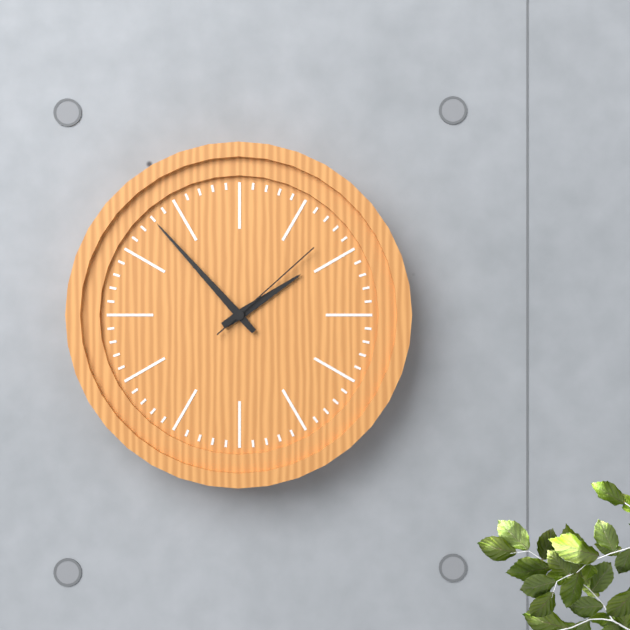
1:53:08
